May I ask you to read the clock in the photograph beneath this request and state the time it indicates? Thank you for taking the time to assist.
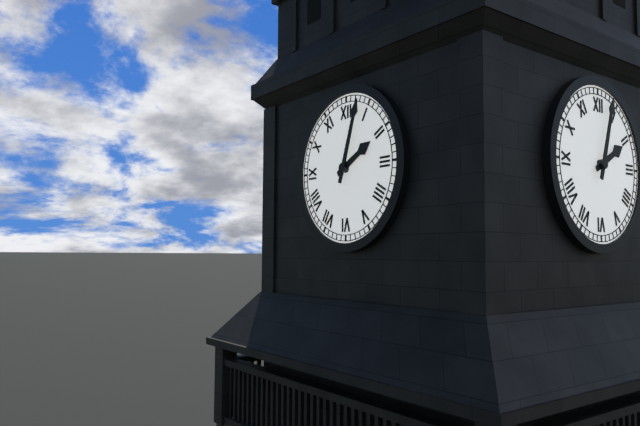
2:03
